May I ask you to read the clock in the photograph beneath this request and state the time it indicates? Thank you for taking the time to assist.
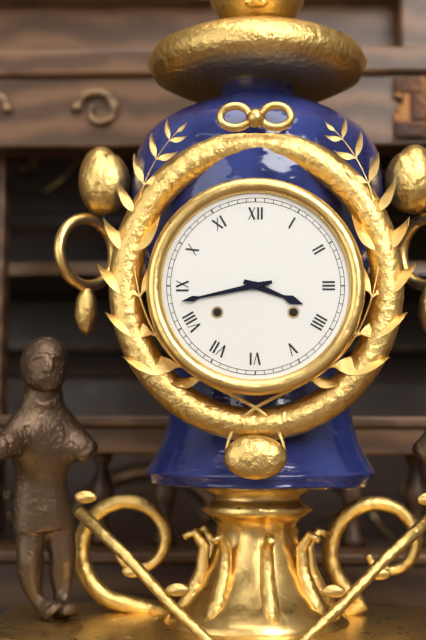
3:43
